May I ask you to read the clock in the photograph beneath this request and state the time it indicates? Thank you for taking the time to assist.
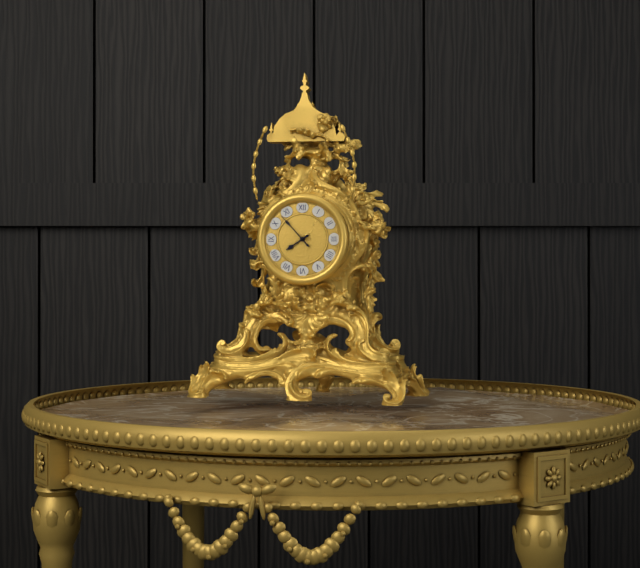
7:53
